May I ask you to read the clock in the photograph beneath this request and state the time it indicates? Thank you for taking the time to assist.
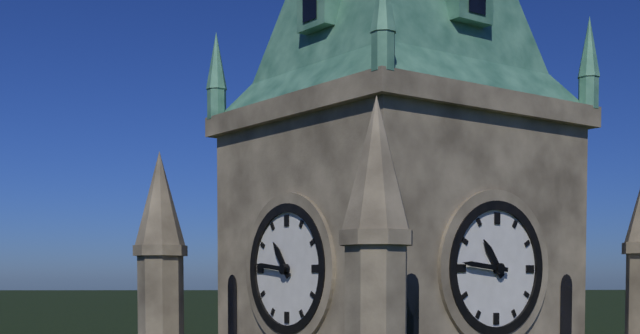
10:46
